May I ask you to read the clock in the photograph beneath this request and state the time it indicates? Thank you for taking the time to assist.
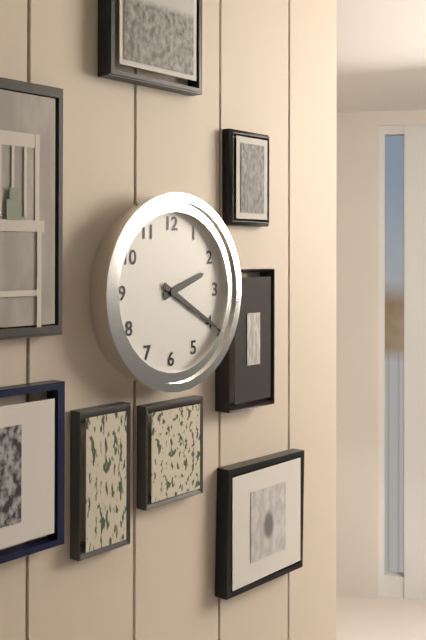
2:20
